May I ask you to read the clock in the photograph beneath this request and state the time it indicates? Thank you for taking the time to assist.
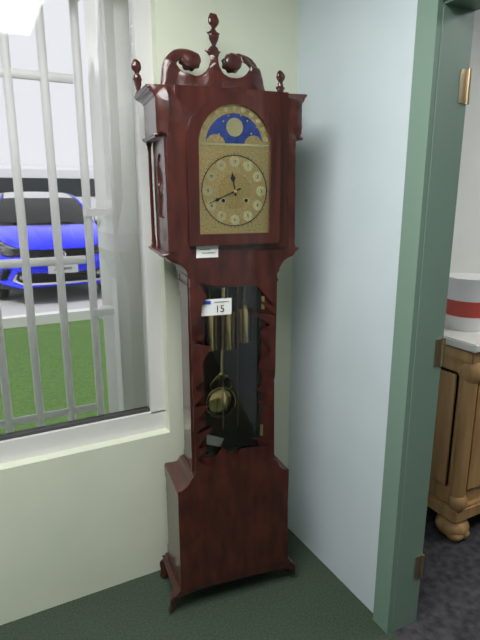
11:41
